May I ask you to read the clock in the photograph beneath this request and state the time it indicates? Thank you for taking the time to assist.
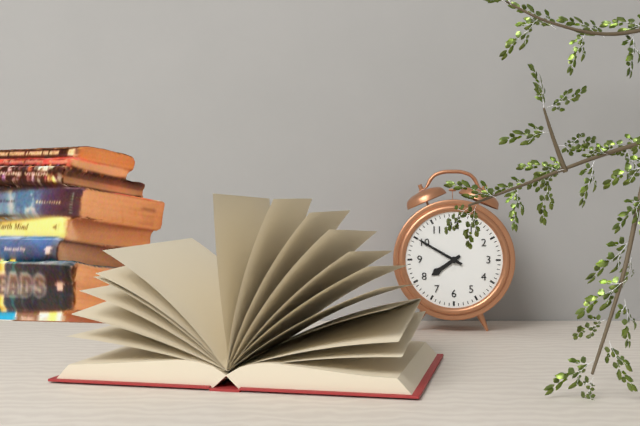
7:50
